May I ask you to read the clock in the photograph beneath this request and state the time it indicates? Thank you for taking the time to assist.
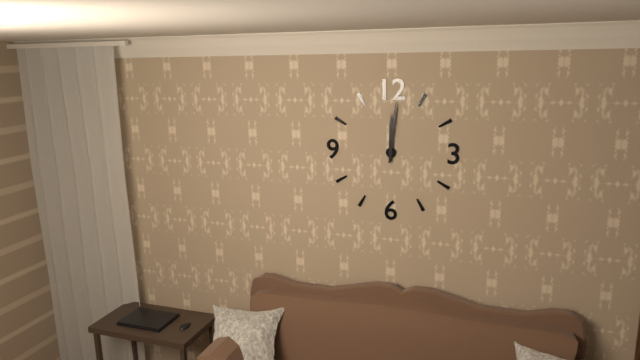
12:01
